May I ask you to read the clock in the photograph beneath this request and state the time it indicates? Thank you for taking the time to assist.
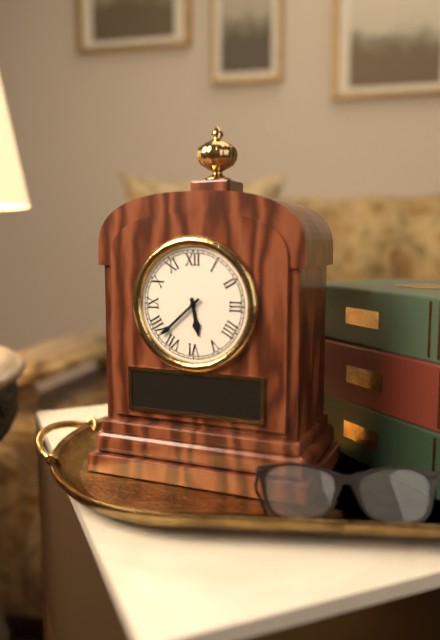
5:38
